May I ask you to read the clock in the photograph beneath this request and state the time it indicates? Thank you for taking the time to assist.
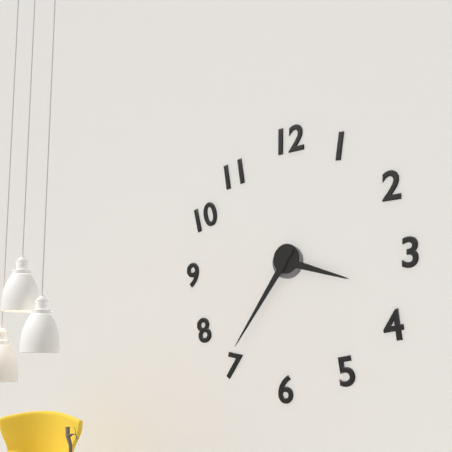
3:36
